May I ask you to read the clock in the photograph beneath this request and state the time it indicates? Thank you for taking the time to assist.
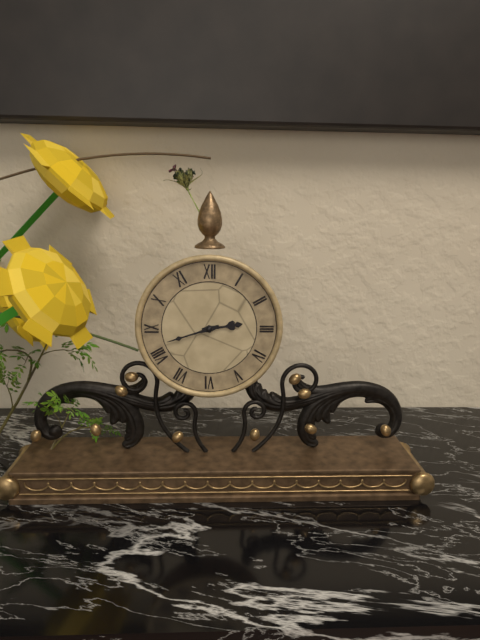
2:42
